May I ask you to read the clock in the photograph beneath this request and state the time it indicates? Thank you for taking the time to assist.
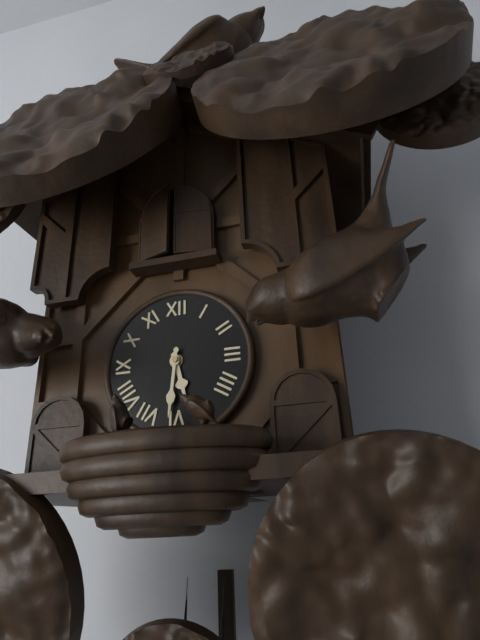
5:31
